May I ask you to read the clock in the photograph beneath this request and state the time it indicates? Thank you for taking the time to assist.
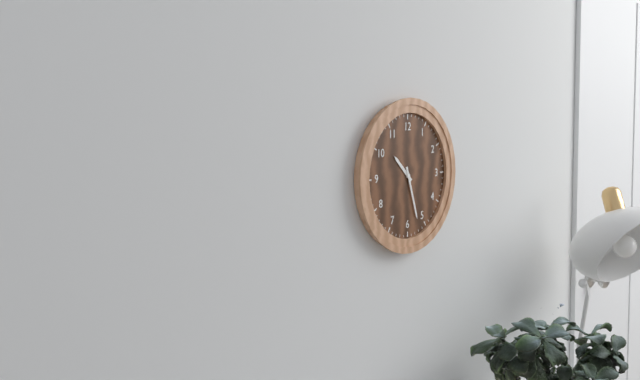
10:27
